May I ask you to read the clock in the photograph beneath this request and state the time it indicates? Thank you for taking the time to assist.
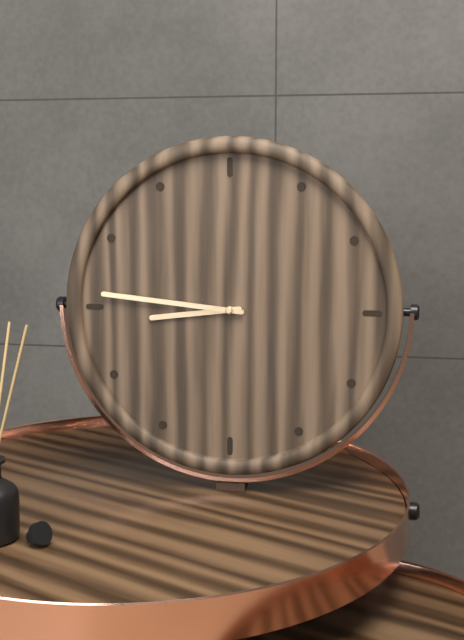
8:46
